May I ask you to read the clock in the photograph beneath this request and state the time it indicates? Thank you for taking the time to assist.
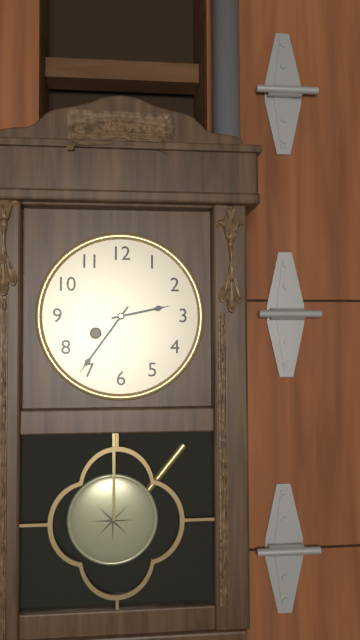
2:36
